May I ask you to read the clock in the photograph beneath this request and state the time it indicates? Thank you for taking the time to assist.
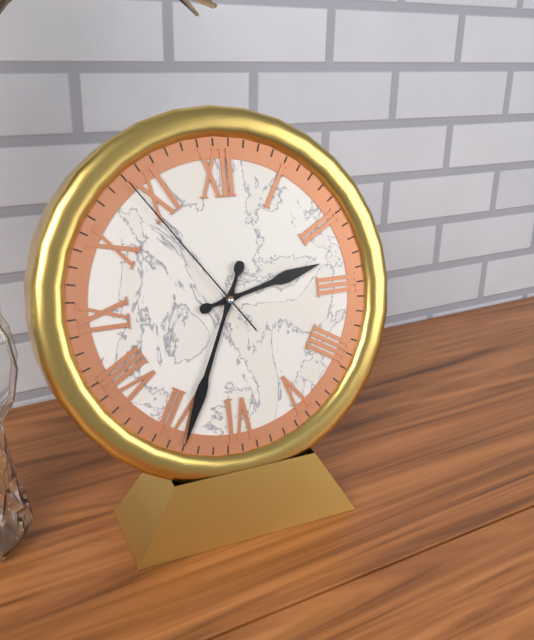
2:34:54
